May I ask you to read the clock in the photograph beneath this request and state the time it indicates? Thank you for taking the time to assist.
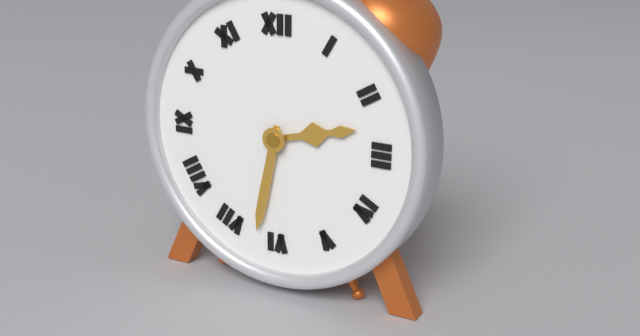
2:32
